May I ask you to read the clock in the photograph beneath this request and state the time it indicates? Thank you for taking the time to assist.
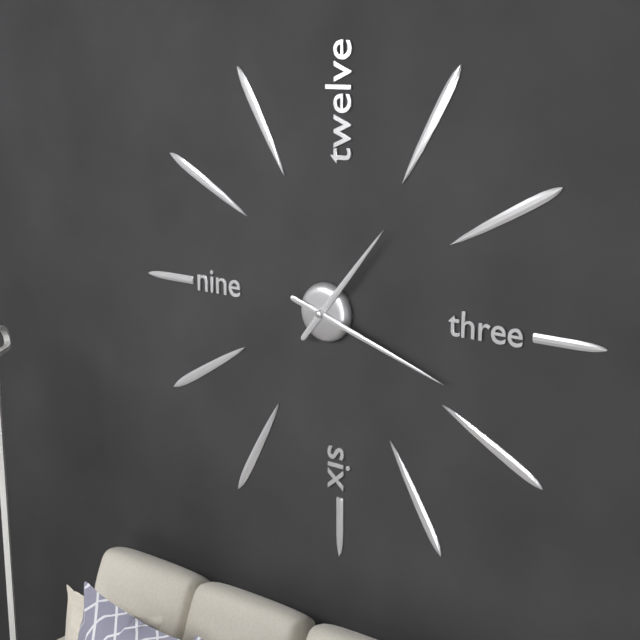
1:18
